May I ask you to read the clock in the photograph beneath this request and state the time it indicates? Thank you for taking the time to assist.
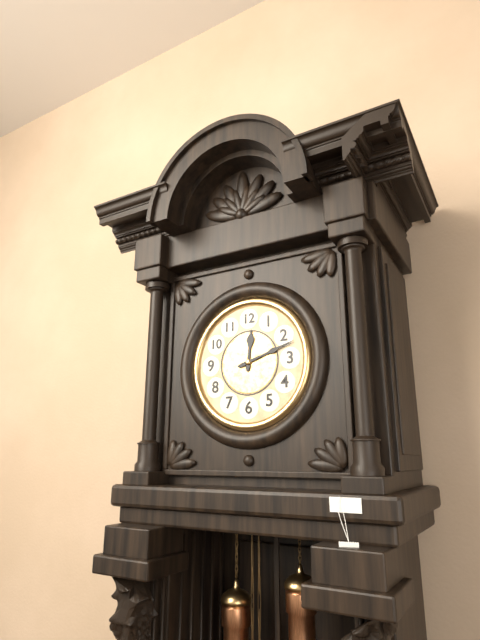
12:12
